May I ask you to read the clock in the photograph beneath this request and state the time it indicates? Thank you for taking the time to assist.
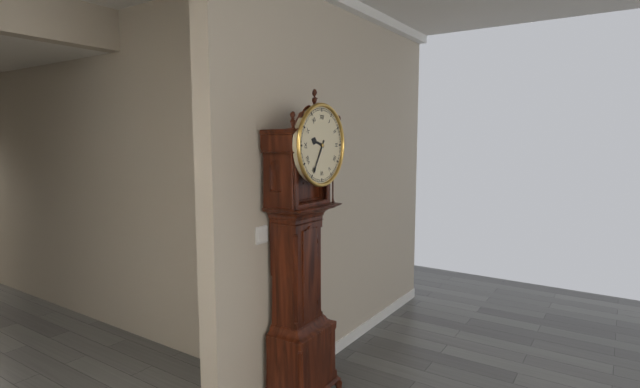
9:35
